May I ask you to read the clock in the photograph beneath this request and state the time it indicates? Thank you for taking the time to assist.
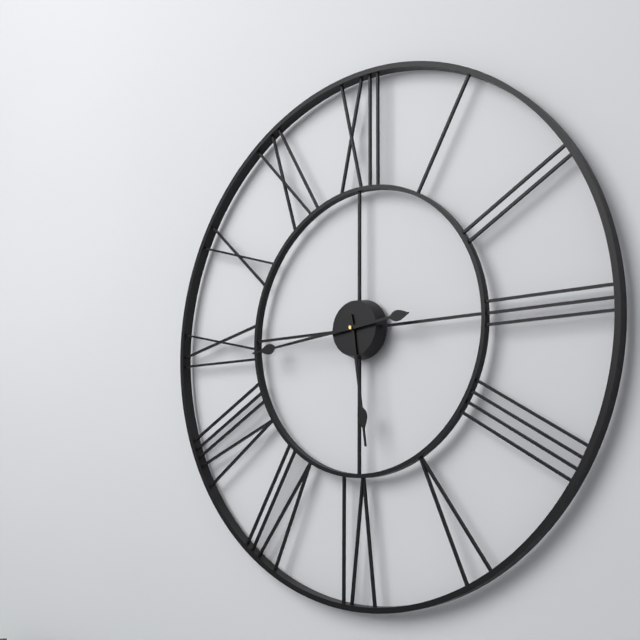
5:44
